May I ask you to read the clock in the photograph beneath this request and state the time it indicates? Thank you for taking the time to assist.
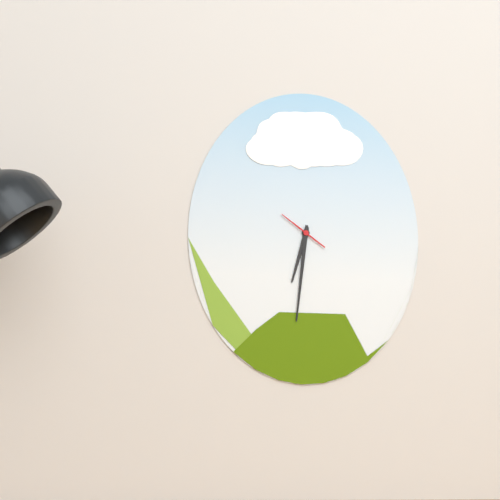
6:31
